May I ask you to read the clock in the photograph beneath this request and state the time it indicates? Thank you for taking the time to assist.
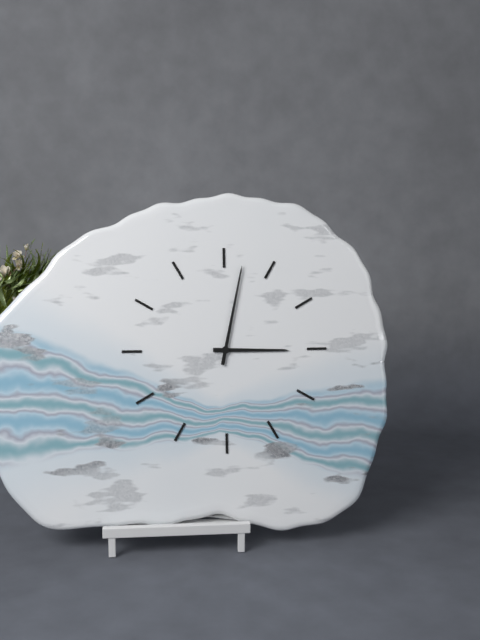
3:02
